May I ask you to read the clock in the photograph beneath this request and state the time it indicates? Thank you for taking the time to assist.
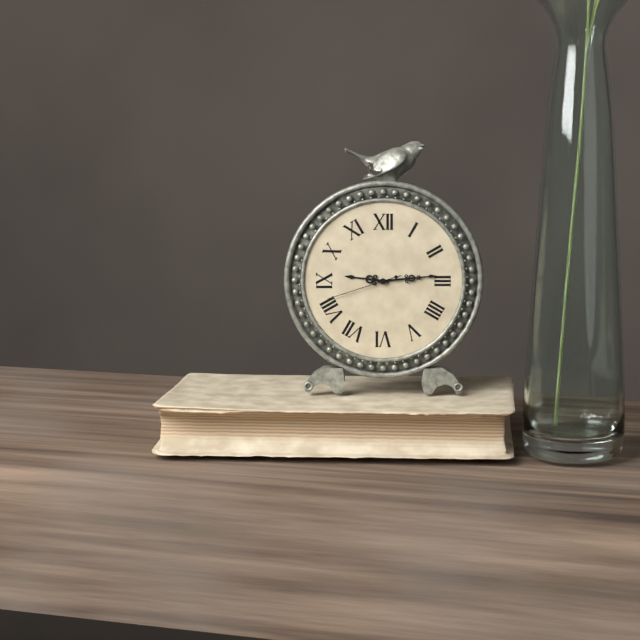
9:14:42
